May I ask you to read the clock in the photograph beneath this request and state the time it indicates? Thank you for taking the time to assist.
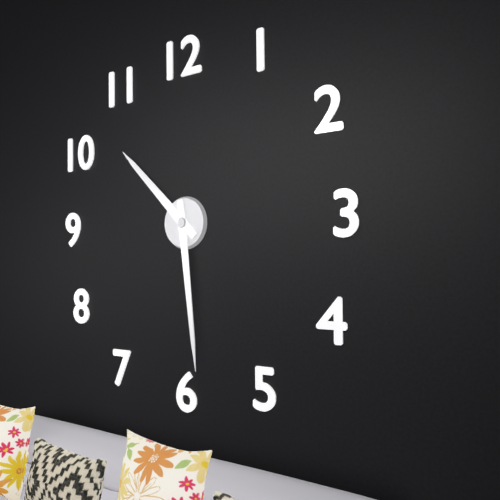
10:29
